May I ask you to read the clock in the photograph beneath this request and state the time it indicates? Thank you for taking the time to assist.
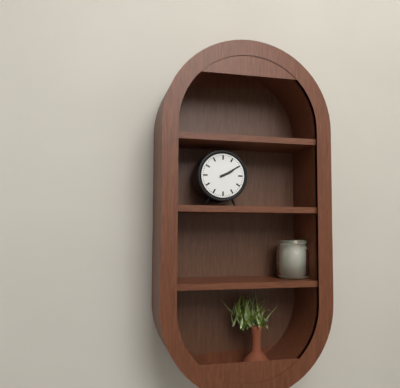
2:10
